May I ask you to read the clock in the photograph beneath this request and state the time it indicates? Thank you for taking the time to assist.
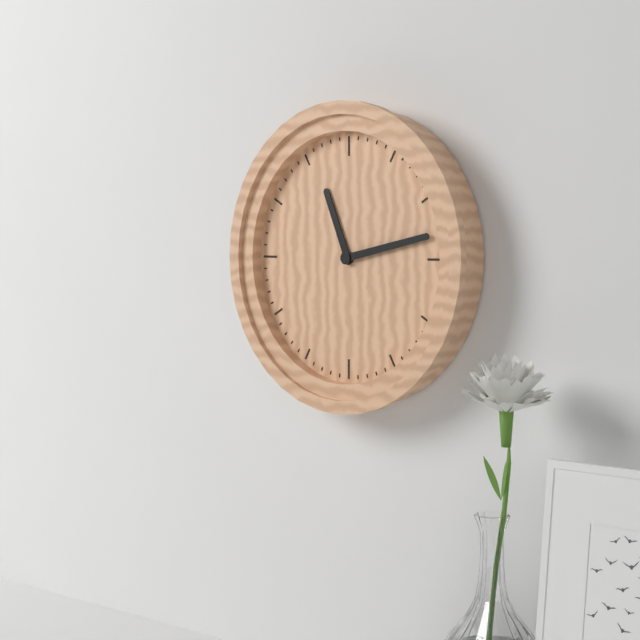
11:13
